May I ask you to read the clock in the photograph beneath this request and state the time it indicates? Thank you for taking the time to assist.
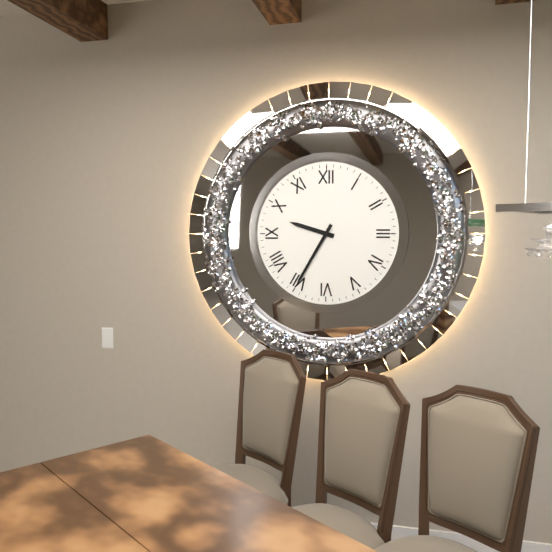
9:35
